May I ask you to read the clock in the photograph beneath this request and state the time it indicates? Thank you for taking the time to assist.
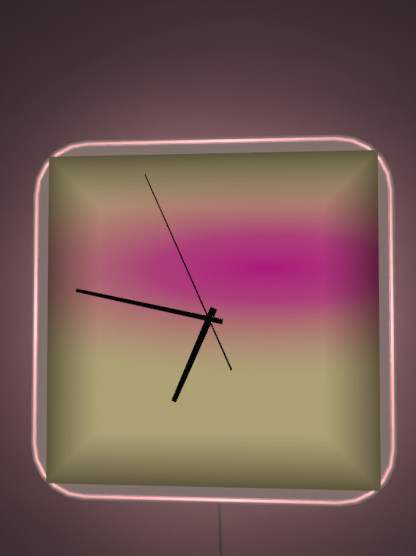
6:47:56
